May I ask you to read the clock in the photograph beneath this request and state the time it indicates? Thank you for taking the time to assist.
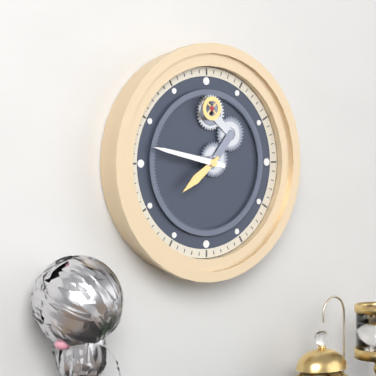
7:47
